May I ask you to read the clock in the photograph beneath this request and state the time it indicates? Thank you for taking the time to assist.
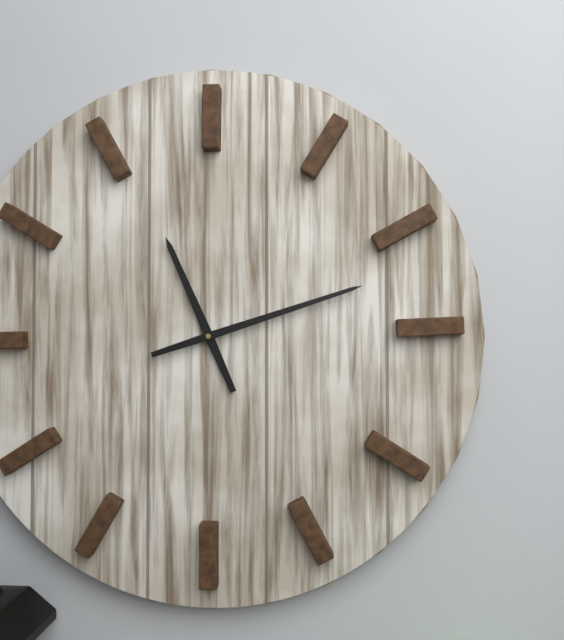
11:12
